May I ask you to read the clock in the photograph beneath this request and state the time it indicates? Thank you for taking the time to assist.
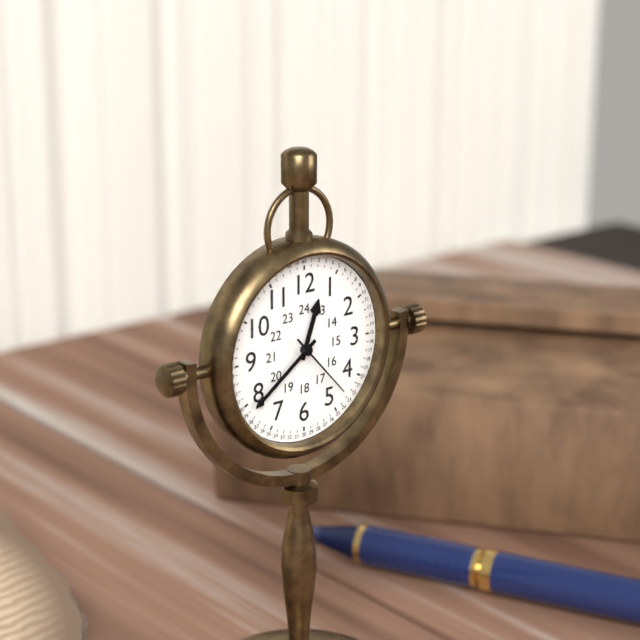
12:39:23
